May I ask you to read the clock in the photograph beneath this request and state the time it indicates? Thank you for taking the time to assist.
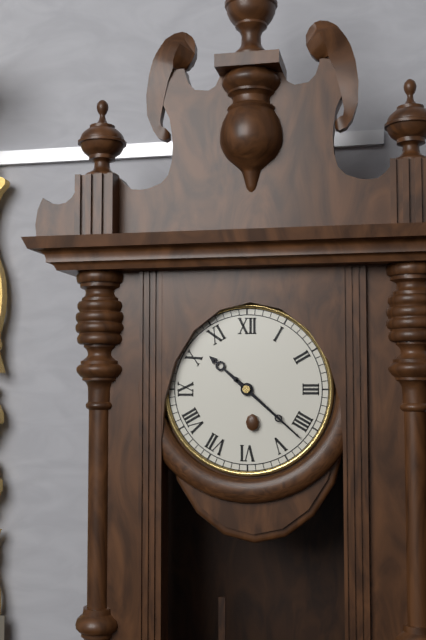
10:22
